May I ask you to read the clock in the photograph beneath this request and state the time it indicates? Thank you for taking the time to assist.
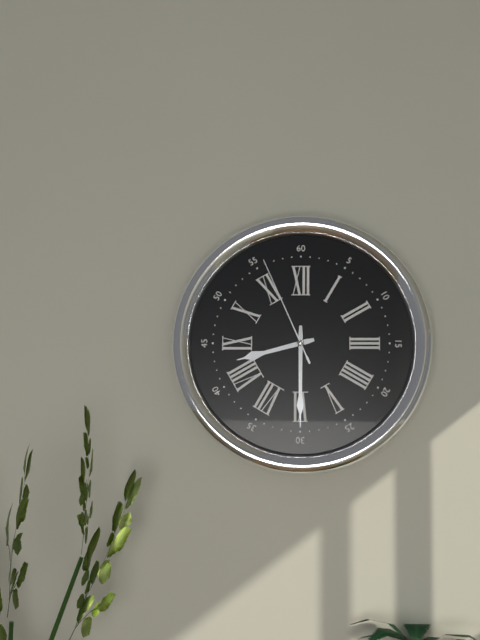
8:30:56
